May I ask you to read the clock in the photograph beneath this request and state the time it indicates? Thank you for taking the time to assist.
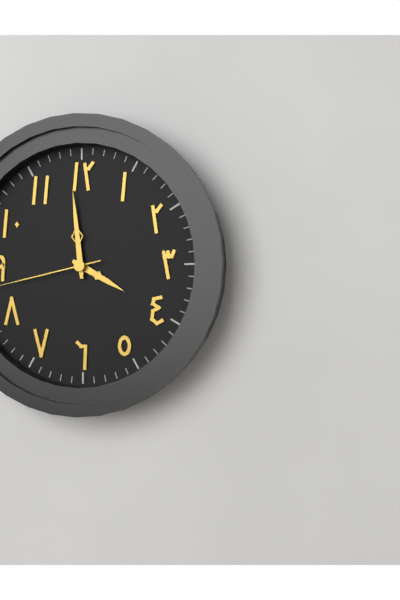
3:59
